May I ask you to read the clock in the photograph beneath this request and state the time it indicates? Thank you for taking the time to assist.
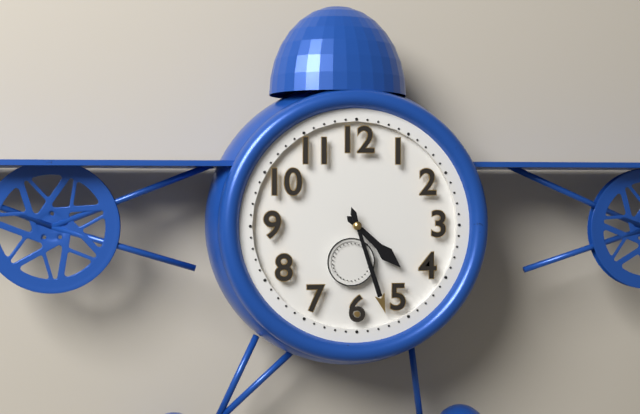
4:27
